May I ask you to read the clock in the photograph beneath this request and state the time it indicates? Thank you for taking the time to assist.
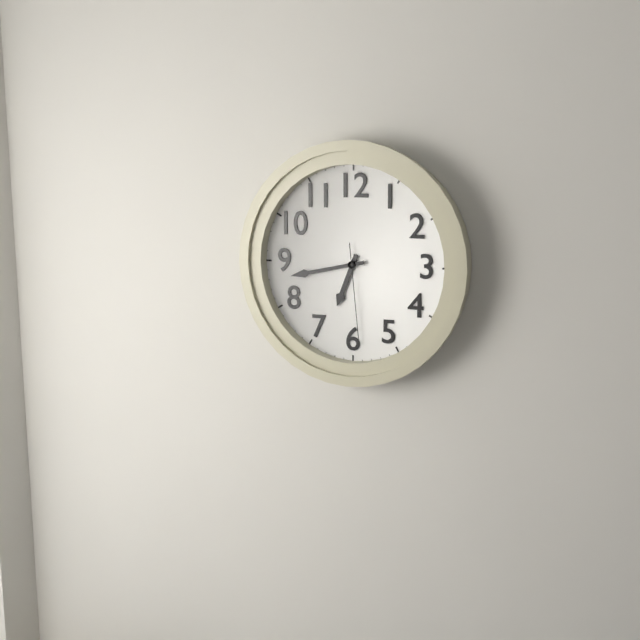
6:43:29
